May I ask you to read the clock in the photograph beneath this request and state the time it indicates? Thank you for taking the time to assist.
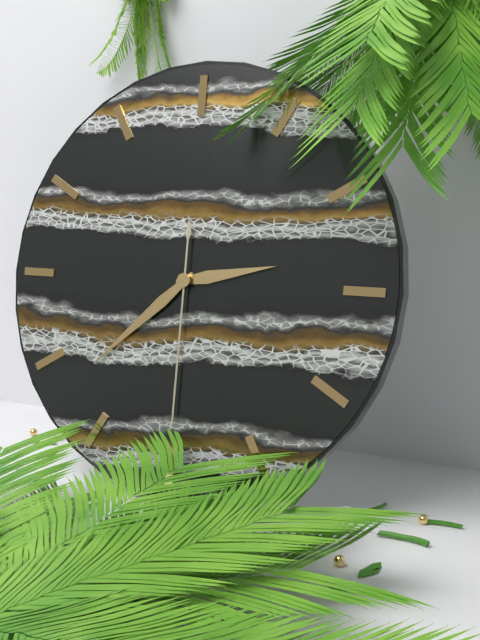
2:38:30
